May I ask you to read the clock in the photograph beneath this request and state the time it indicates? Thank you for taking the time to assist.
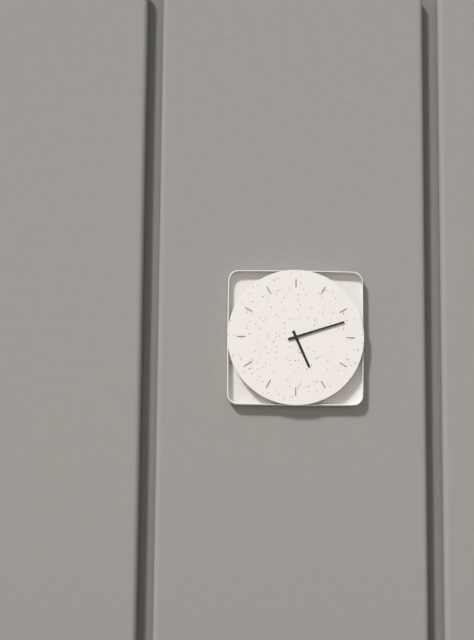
5:12
